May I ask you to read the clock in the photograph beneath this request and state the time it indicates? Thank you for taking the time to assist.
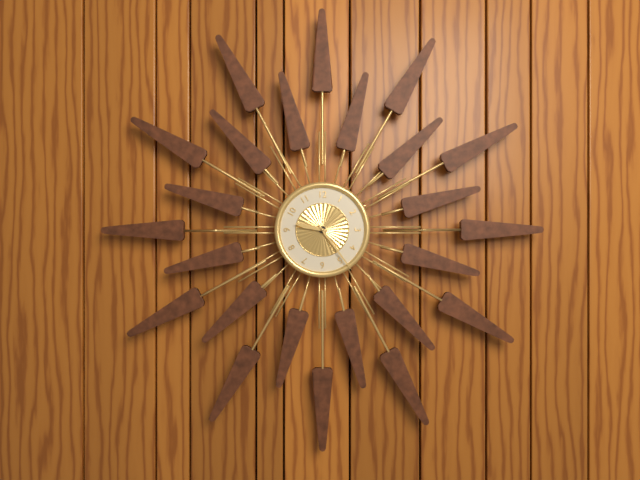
9:24
